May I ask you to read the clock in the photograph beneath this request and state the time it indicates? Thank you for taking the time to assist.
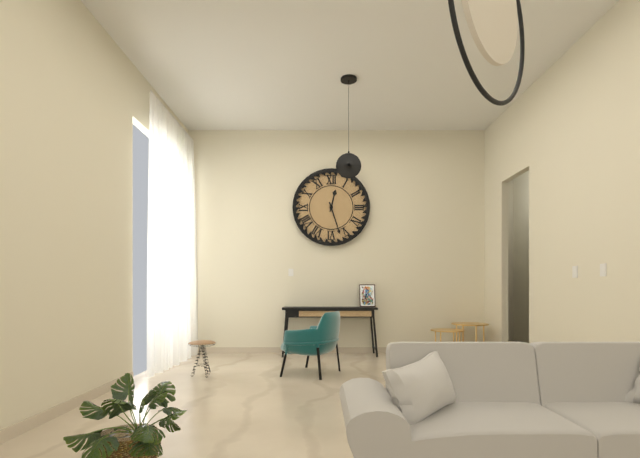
12:27
